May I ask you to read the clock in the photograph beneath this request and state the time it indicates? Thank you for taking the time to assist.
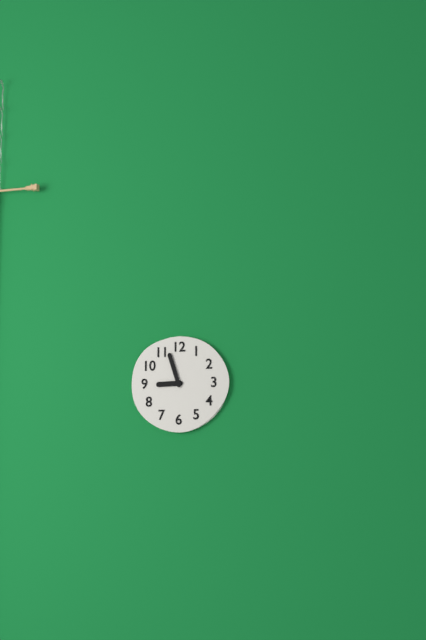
8:57
